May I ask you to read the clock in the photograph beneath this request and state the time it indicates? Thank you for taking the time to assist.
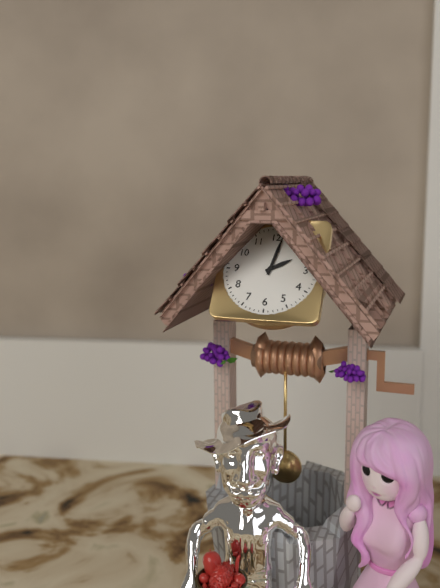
2:02
